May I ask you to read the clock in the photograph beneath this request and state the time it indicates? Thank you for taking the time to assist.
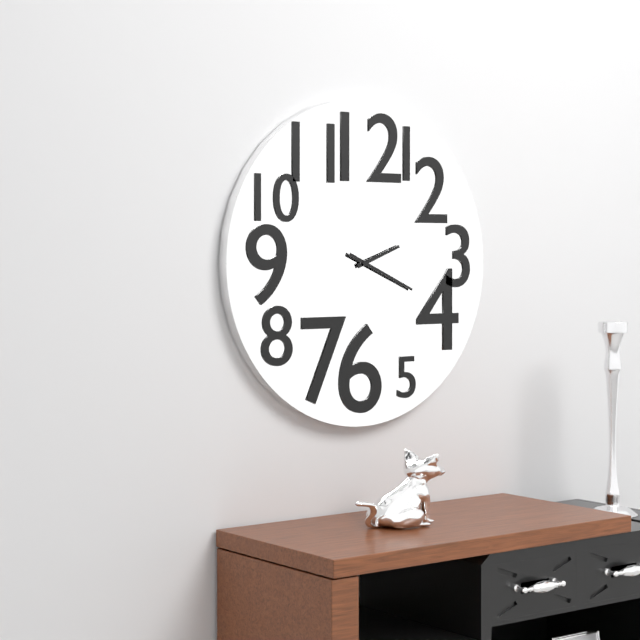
2:19
